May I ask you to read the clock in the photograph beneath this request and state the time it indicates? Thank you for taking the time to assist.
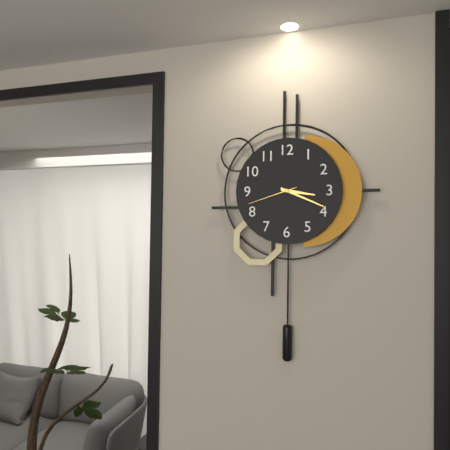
3:19:42
